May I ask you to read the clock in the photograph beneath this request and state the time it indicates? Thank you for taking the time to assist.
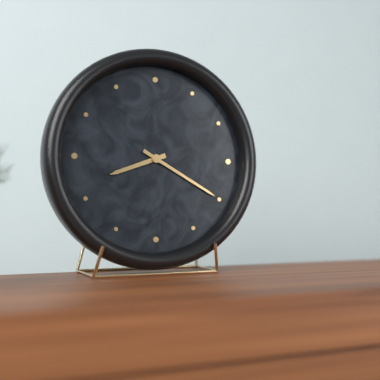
8:20
